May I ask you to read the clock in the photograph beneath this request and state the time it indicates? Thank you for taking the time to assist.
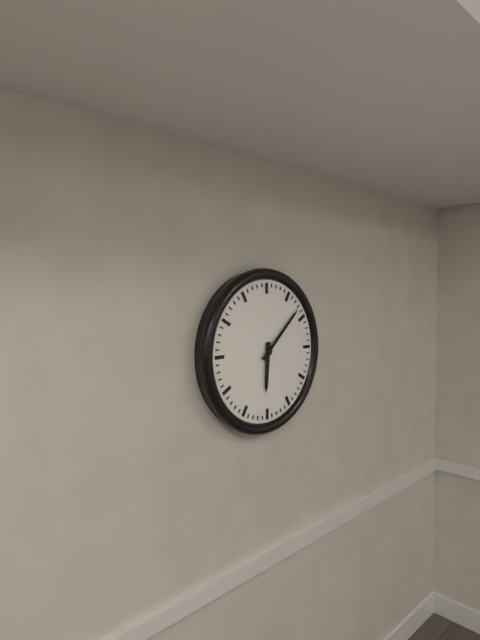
6:08
